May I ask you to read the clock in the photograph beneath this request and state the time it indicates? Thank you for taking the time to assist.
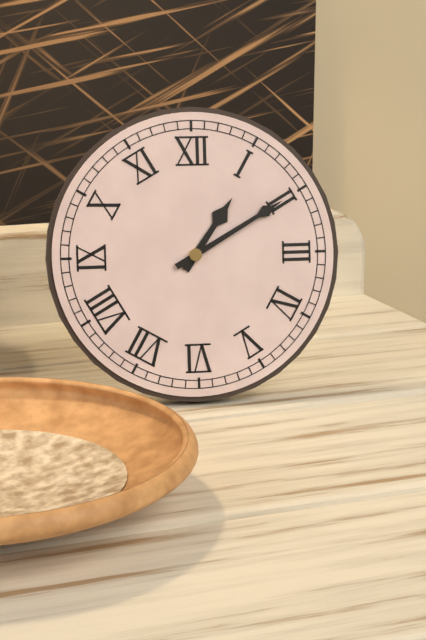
1:10
